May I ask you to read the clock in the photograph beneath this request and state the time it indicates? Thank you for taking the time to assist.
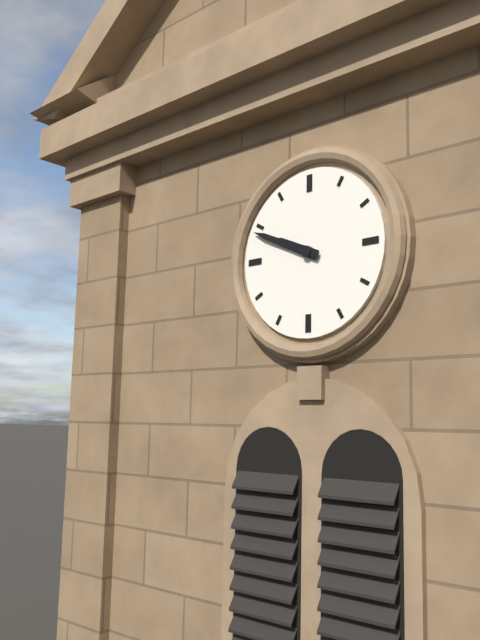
9:49
